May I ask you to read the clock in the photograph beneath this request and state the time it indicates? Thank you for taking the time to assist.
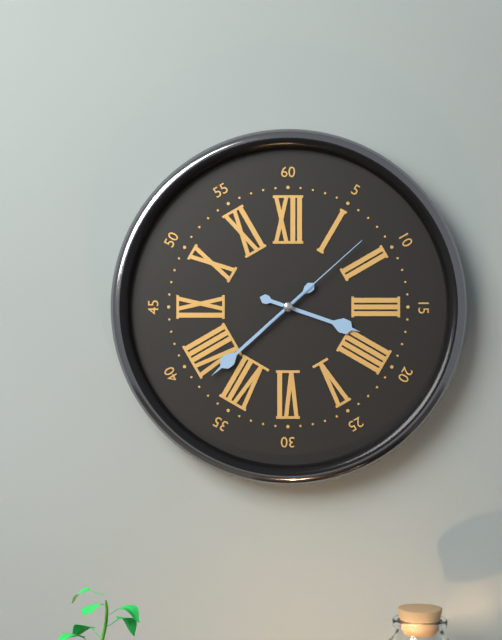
3:38:08
